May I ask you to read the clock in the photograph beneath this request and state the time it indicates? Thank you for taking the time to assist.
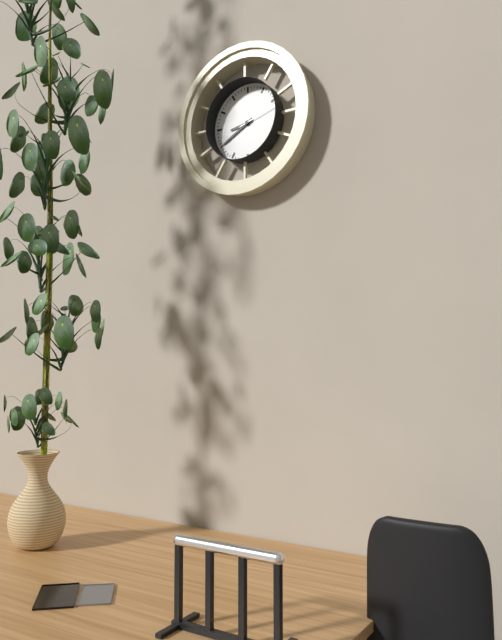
8:40
